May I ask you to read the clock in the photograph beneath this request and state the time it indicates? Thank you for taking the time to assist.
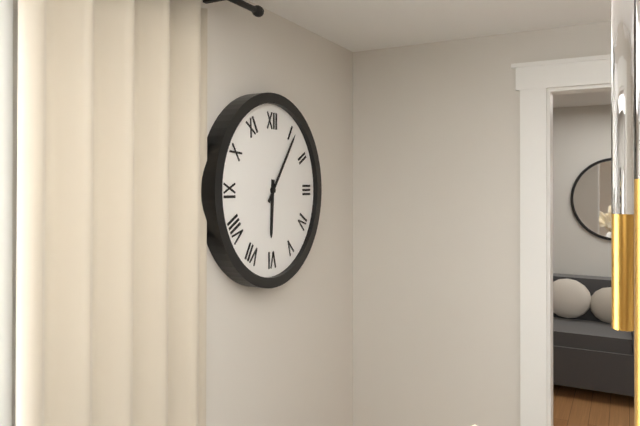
6:06
